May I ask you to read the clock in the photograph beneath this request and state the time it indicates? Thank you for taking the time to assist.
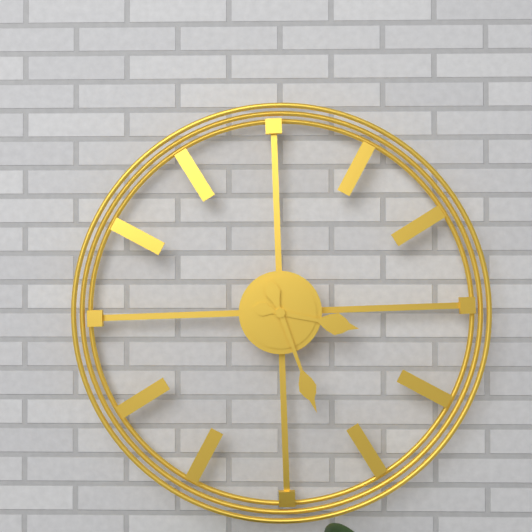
3:27
